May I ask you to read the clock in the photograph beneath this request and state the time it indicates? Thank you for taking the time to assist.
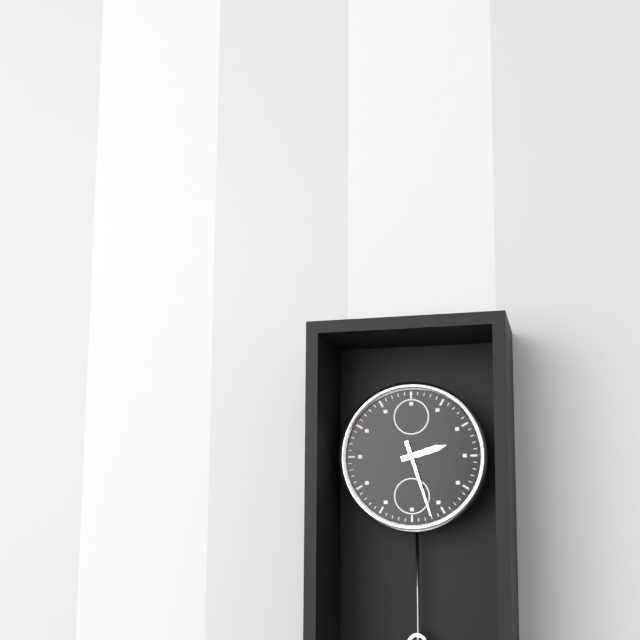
2:27
